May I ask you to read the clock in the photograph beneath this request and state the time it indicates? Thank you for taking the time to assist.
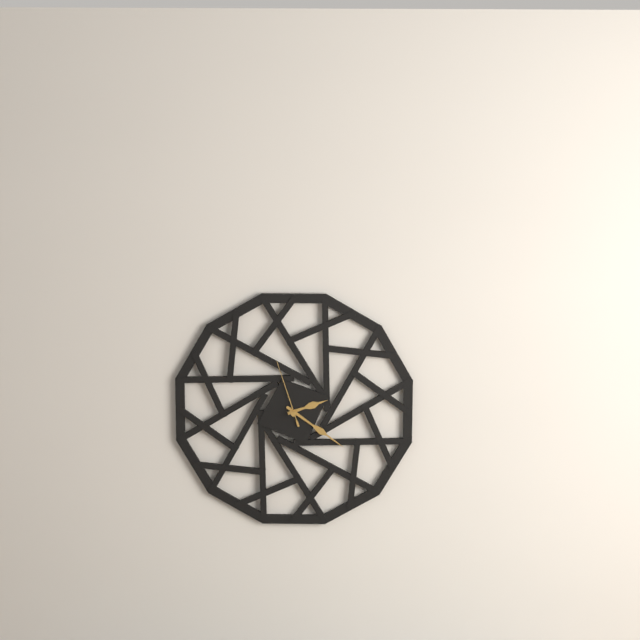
2:21:57
